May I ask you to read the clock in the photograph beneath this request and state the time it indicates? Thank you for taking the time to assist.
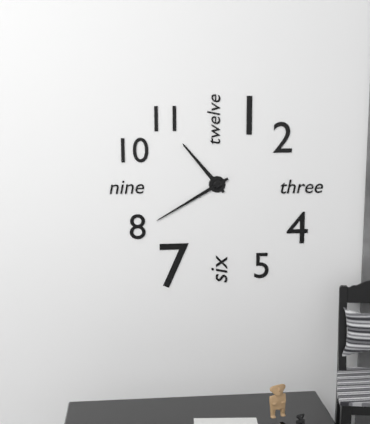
10:40
